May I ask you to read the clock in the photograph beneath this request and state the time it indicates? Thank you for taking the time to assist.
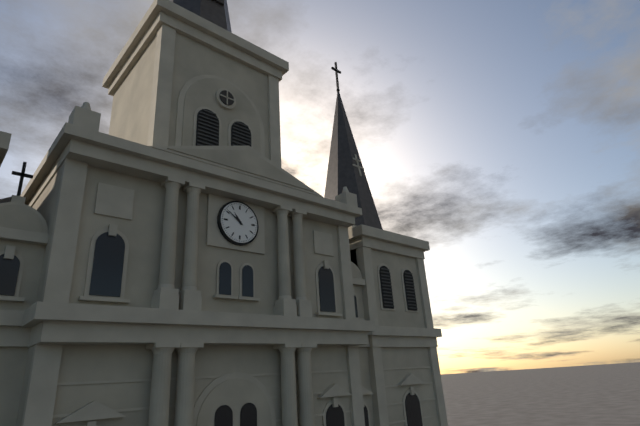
10:51
